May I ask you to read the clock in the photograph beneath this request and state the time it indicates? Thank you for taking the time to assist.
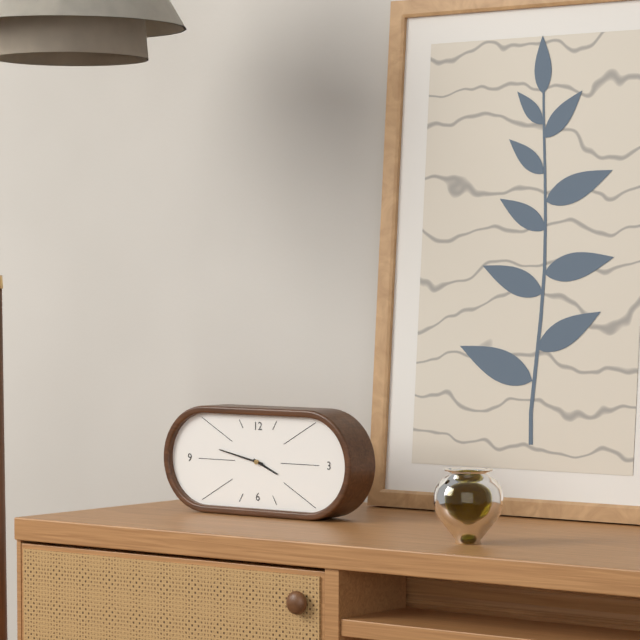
3:47
